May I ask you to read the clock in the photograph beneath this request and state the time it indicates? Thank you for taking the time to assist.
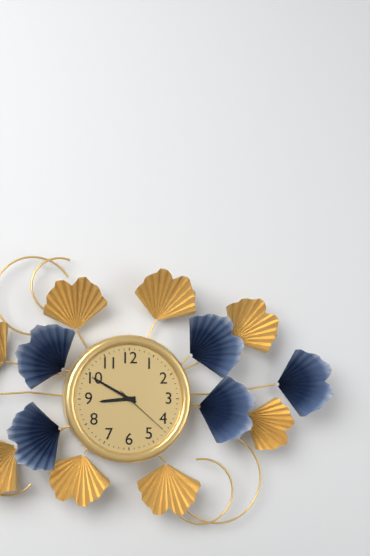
8:50:22
